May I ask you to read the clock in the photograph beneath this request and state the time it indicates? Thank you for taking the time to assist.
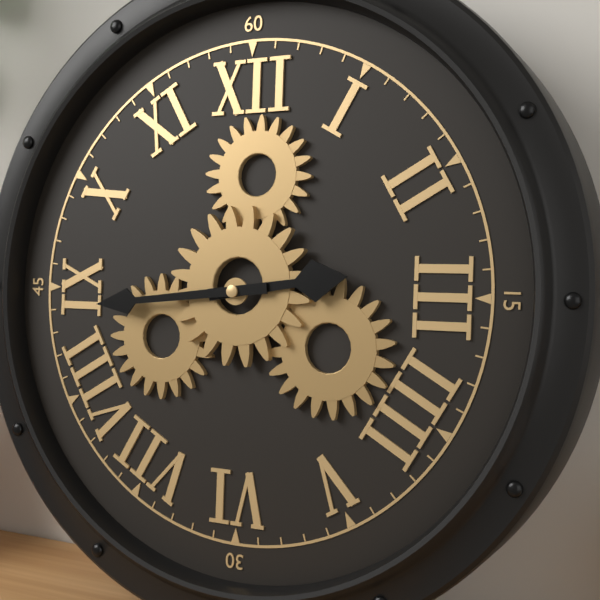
2:44
